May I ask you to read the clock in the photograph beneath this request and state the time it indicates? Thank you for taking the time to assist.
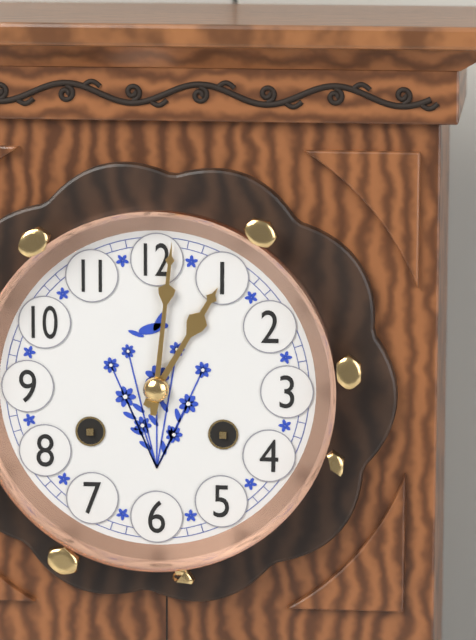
1:01
